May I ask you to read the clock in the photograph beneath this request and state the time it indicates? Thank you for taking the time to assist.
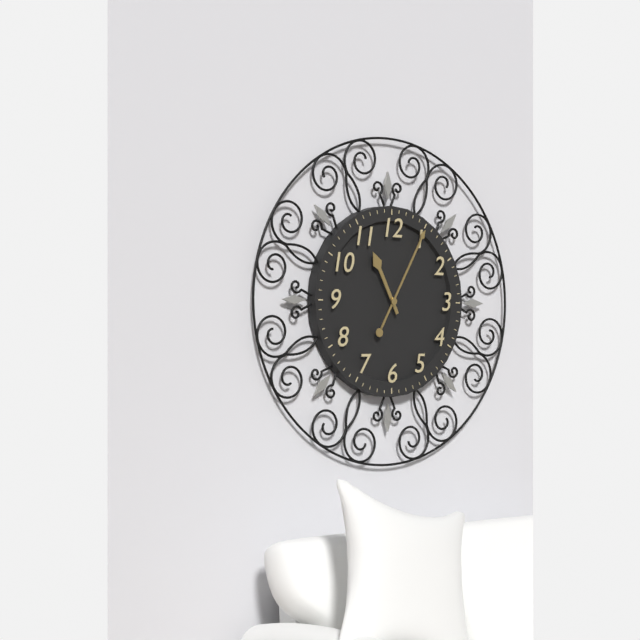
11:05
